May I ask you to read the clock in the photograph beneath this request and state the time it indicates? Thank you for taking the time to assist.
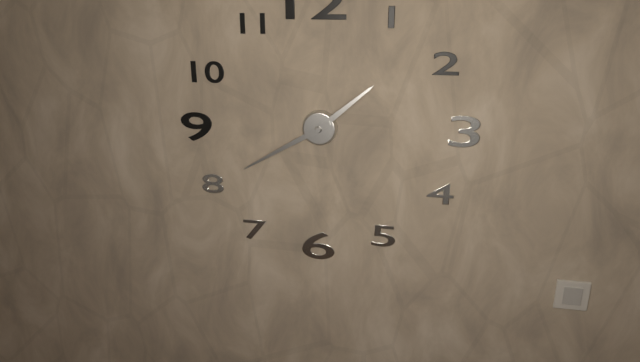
1:40
